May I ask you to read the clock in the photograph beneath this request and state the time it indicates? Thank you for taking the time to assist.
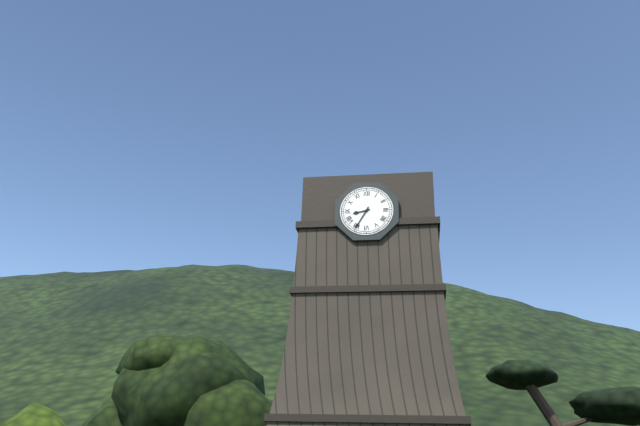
8:35
